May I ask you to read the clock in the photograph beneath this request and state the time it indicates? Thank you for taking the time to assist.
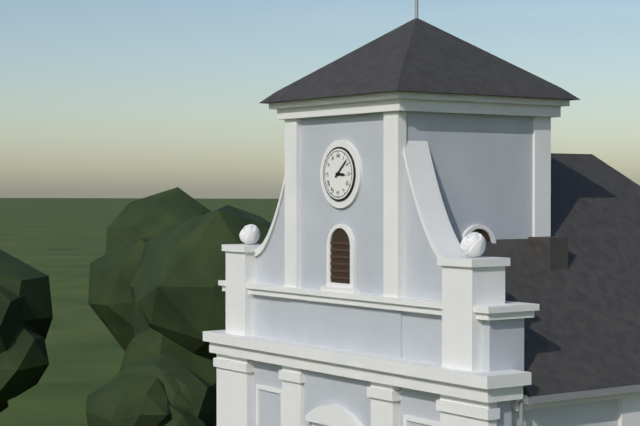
3:08
